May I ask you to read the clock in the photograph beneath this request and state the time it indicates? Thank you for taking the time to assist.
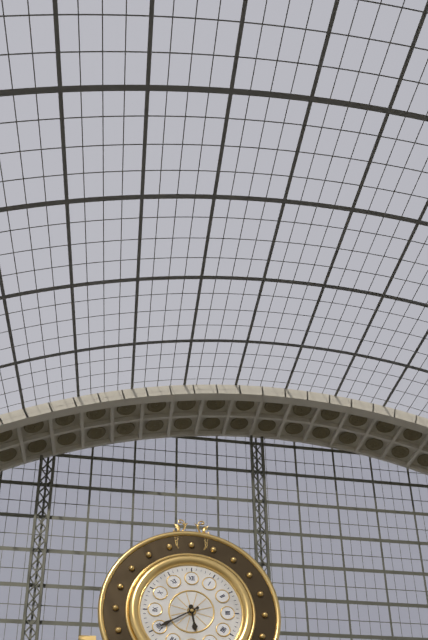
5:40
